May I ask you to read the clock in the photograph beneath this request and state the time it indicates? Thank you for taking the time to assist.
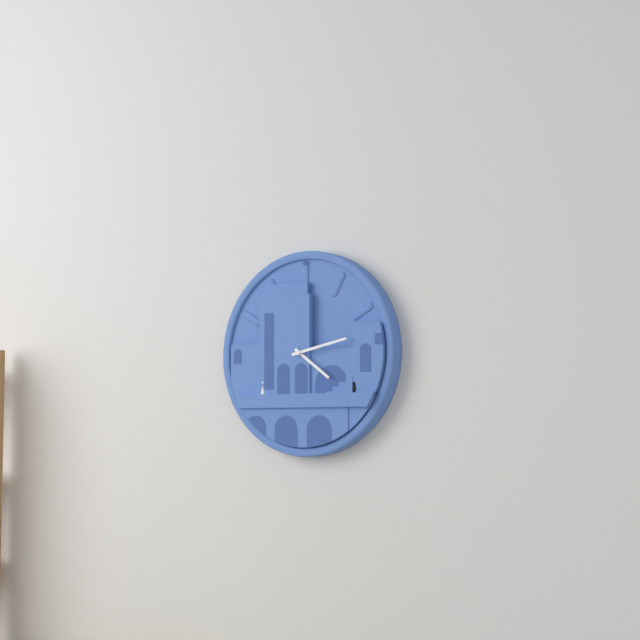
4:13
